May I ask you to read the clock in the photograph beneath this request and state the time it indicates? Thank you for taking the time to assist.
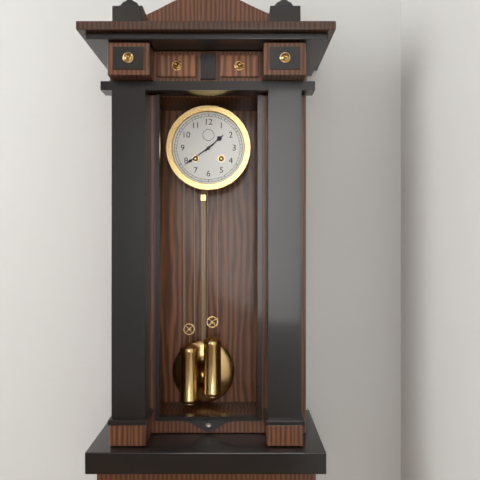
1:39
